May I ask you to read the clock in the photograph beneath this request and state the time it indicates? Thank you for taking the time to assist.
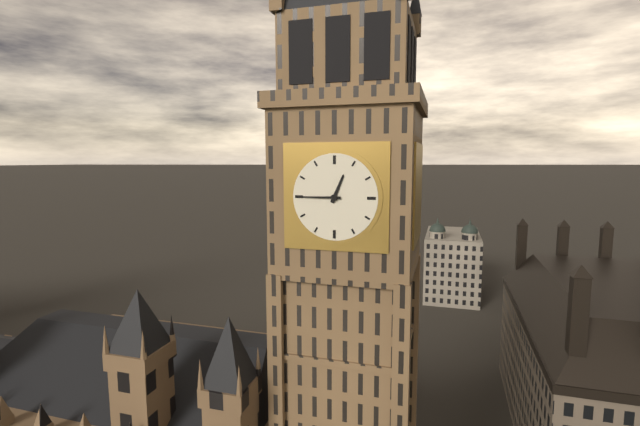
12:45
